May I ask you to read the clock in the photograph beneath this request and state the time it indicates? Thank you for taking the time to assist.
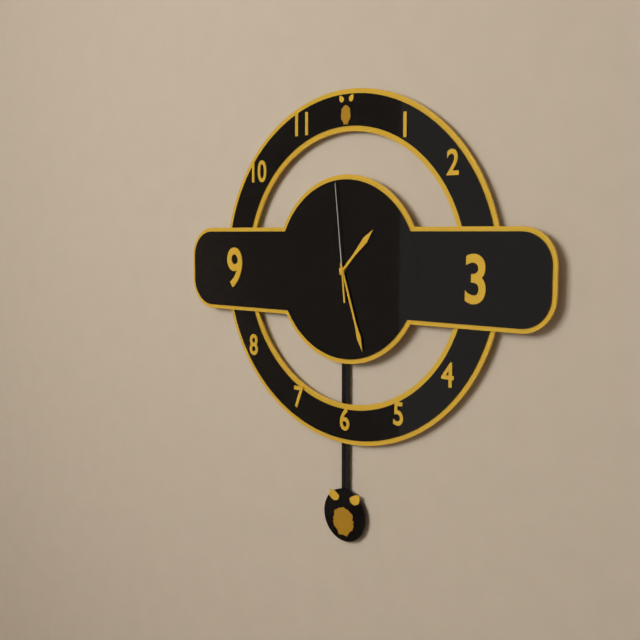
1:27:59
